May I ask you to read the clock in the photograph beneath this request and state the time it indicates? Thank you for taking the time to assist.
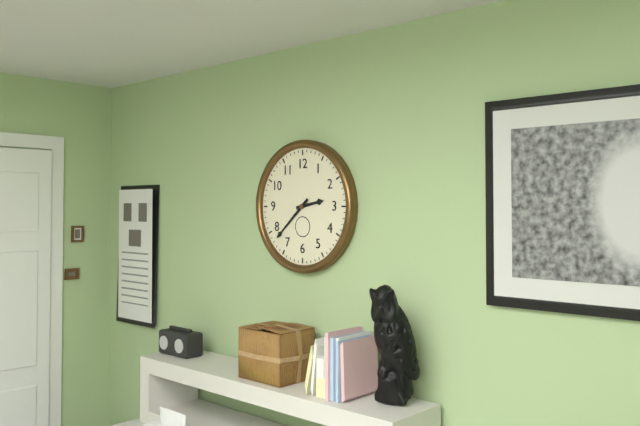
2:38
